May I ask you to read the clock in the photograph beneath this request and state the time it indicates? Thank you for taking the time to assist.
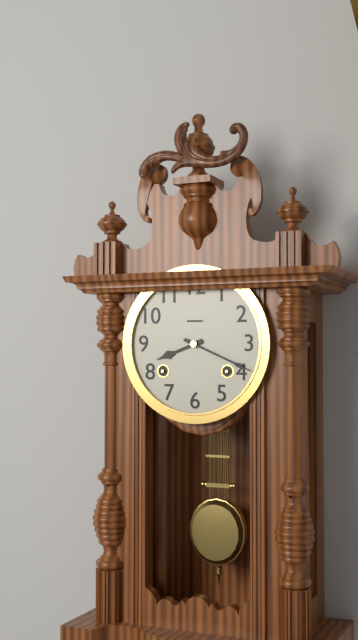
8:19
